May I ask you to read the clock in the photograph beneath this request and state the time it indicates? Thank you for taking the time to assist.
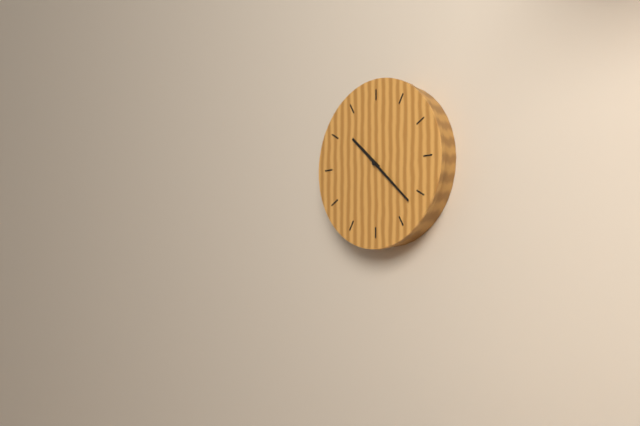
10:22
